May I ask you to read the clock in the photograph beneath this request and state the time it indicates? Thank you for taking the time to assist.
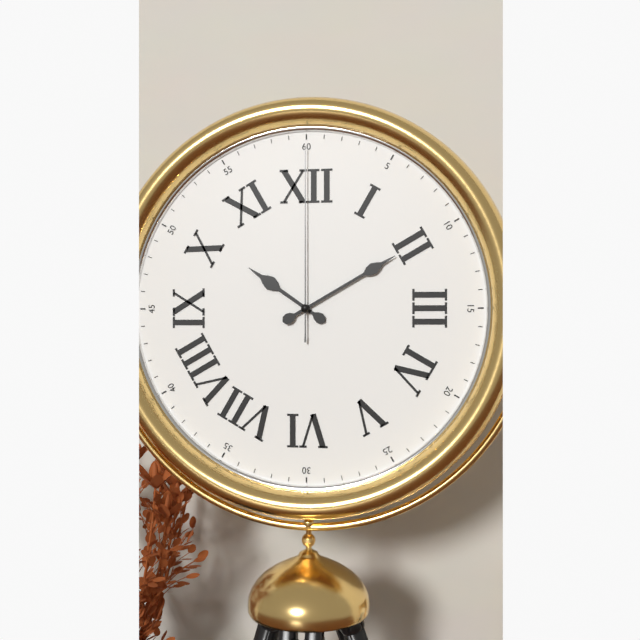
10:10:00
